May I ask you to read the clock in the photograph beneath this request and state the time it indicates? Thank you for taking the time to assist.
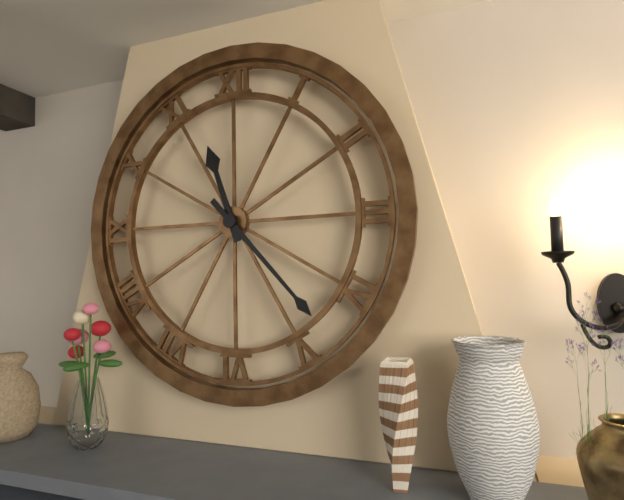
11:23
